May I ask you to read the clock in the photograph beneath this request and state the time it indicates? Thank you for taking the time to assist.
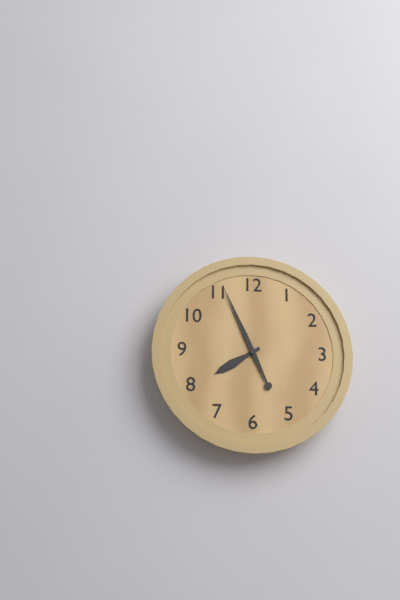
7:56
